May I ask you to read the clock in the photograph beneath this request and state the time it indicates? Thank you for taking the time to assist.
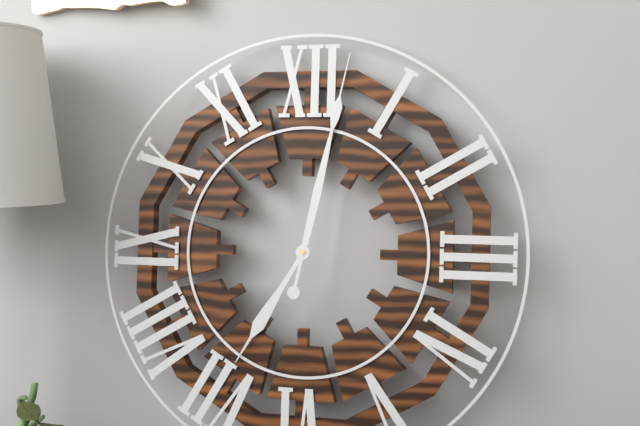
7:02
